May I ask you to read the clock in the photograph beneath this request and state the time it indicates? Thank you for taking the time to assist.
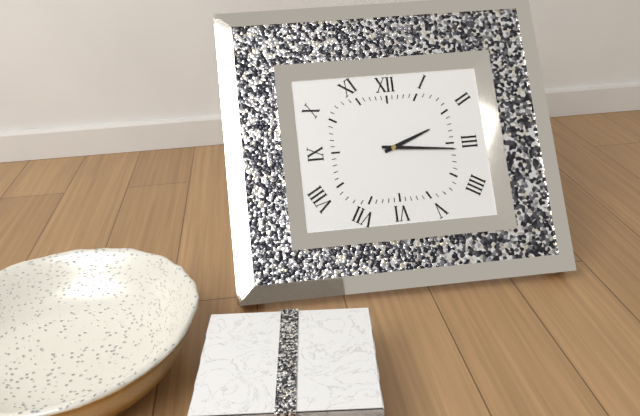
2:16
